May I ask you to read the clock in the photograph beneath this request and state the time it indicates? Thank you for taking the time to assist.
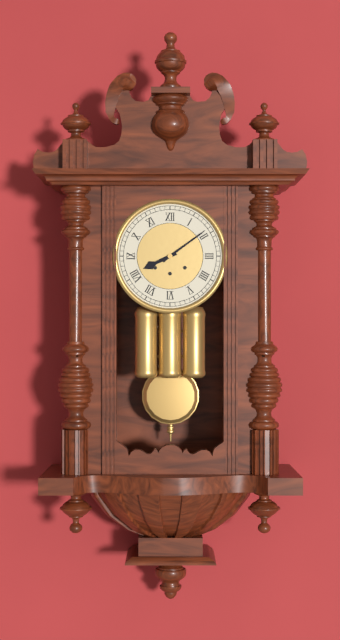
8:09
